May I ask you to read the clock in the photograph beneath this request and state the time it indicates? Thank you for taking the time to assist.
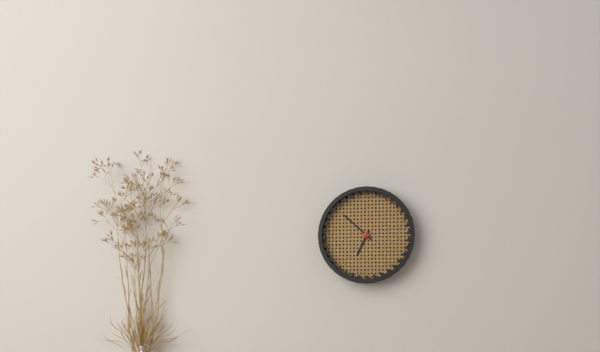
6:52
